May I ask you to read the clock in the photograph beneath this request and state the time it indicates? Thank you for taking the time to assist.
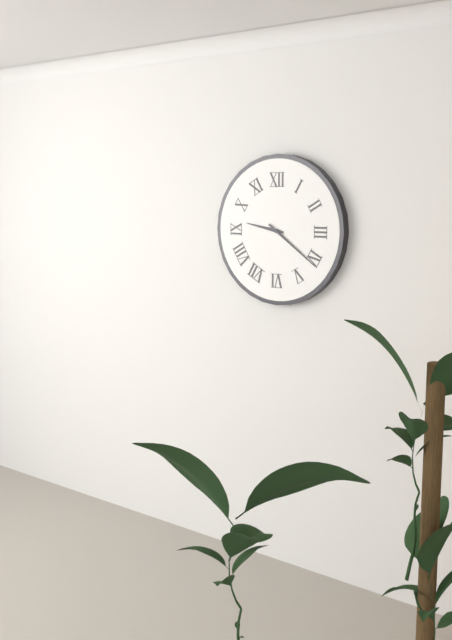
9:21
